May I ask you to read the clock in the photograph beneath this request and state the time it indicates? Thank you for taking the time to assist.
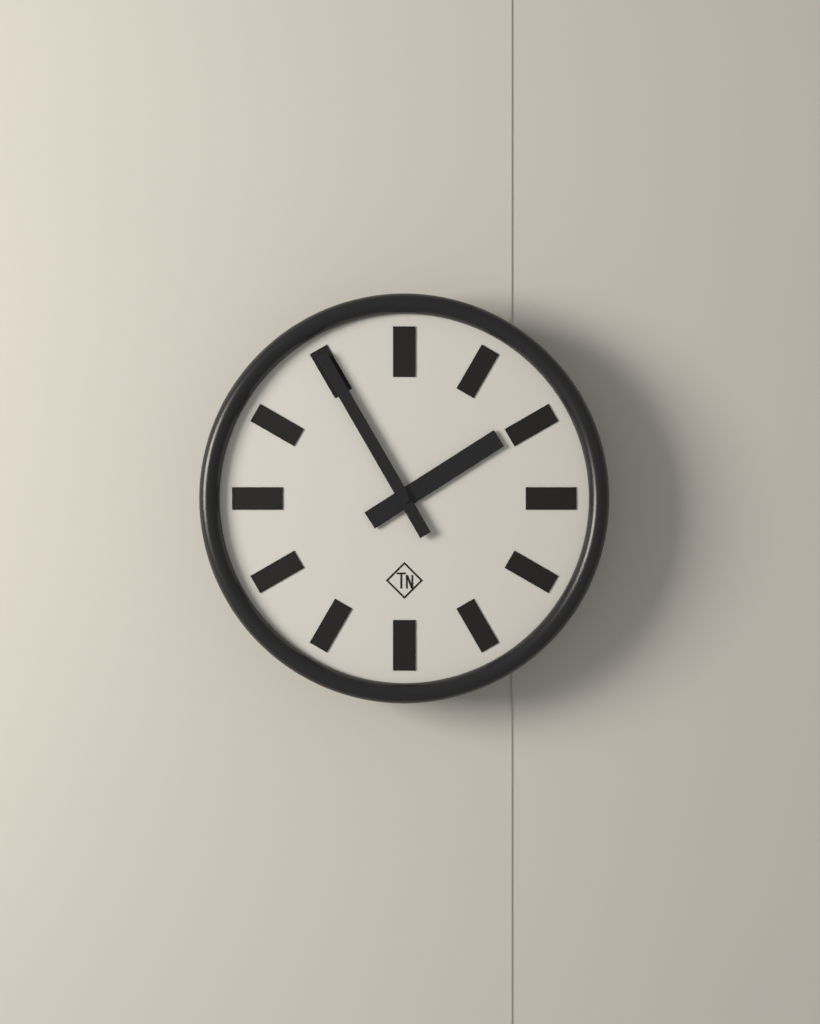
1:55
